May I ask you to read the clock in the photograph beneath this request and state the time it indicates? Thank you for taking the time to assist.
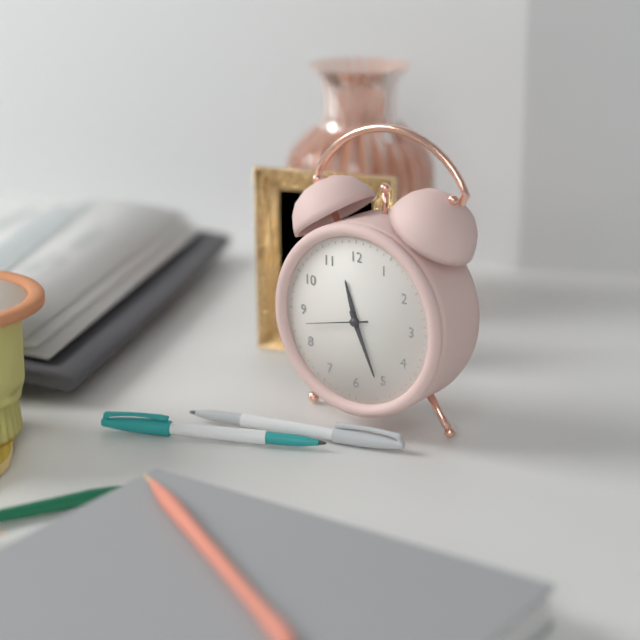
11:26:43
